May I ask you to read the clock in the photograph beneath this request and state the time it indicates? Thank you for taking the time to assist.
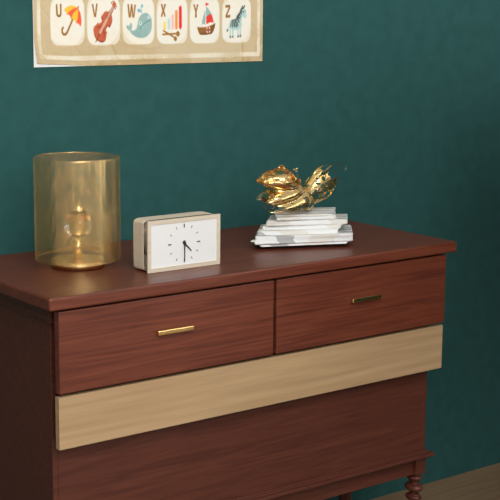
4:30
